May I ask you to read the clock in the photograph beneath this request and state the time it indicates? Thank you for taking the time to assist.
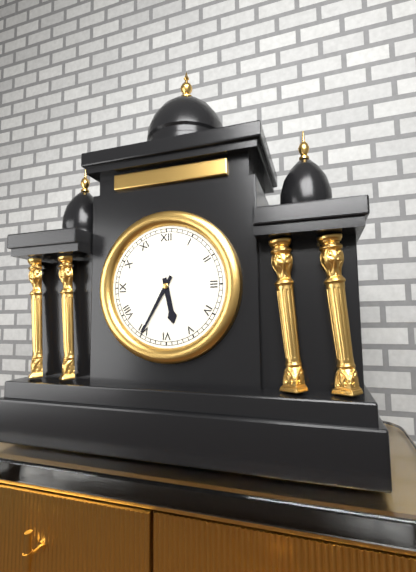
5:35
